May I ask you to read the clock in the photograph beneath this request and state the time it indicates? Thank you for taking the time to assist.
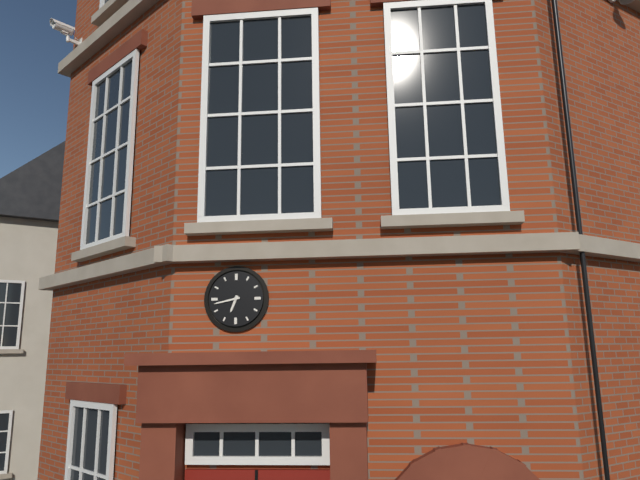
6:43
